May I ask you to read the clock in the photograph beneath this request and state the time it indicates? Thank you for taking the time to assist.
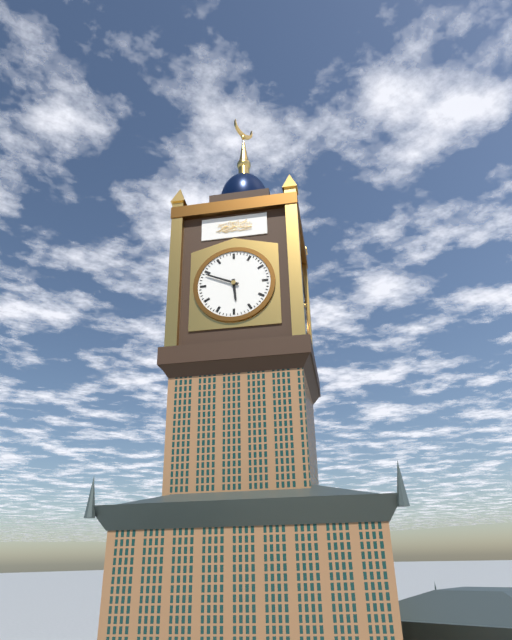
5:49
